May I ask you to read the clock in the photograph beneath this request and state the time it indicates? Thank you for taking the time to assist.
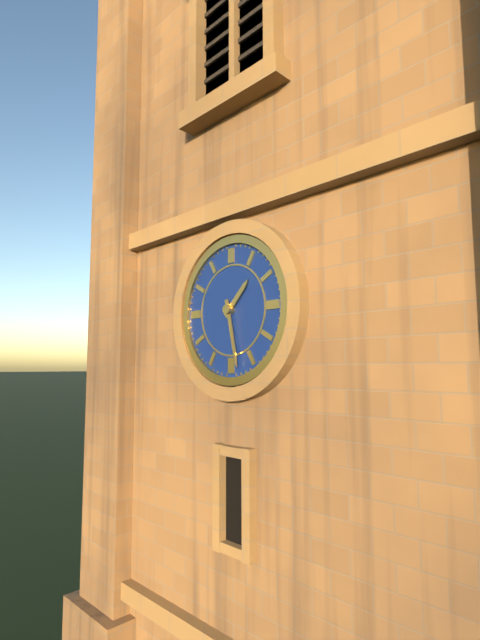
1:28
